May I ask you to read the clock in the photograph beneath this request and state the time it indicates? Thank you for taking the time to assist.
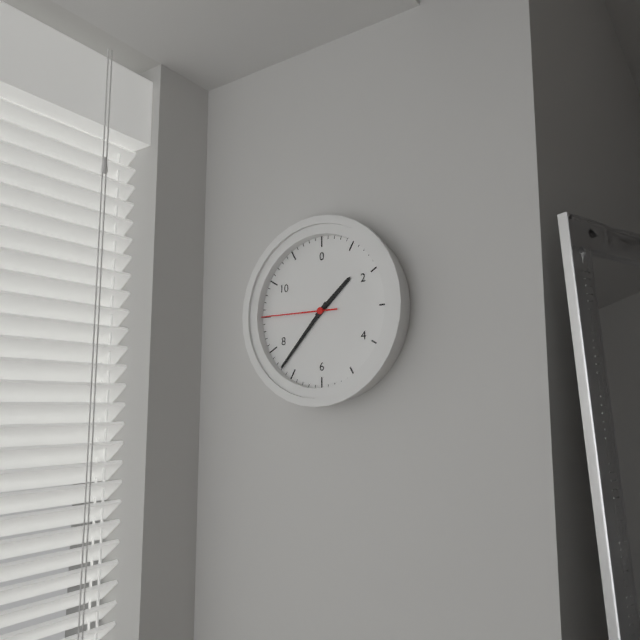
1:37:45
